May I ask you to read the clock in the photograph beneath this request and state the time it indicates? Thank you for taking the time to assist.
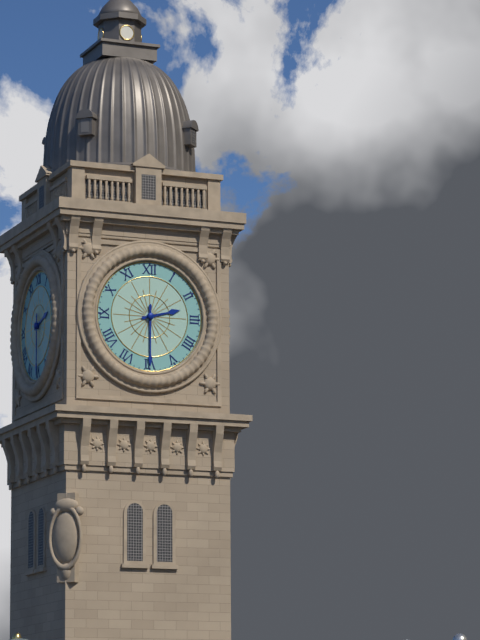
2:30
